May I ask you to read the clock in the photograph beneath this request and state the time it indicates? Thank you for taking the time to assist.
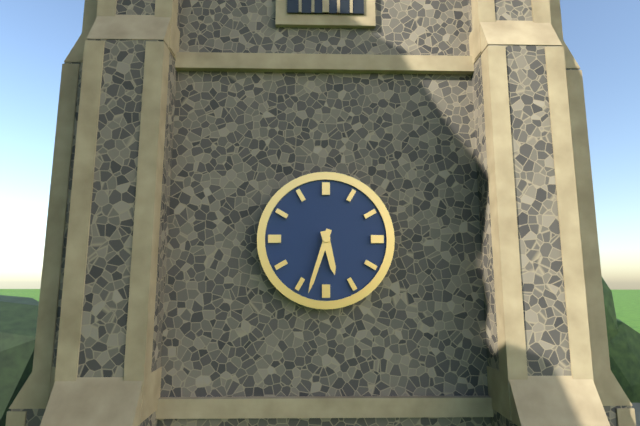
5:33
